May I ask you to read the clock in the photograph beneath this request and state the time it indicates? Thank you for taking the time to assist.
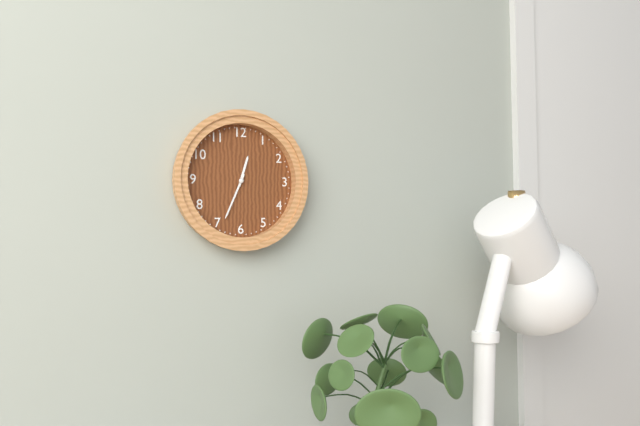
12:34
